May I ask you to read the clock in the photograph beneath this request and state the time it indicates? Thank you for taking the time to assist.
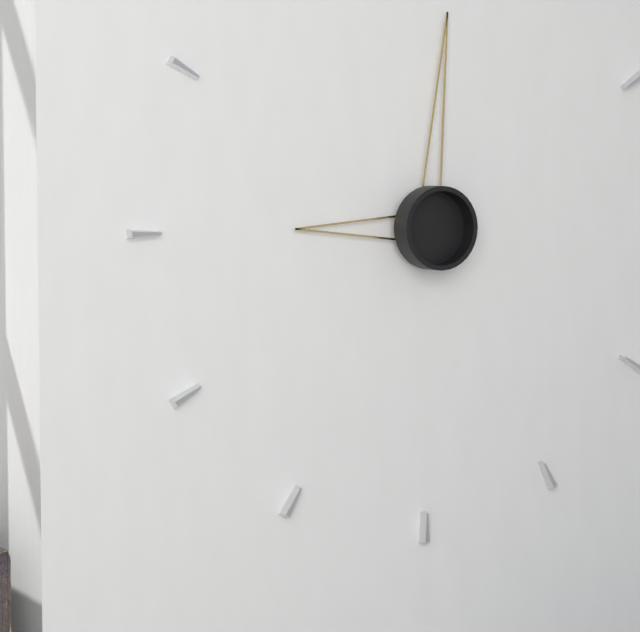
9:01
